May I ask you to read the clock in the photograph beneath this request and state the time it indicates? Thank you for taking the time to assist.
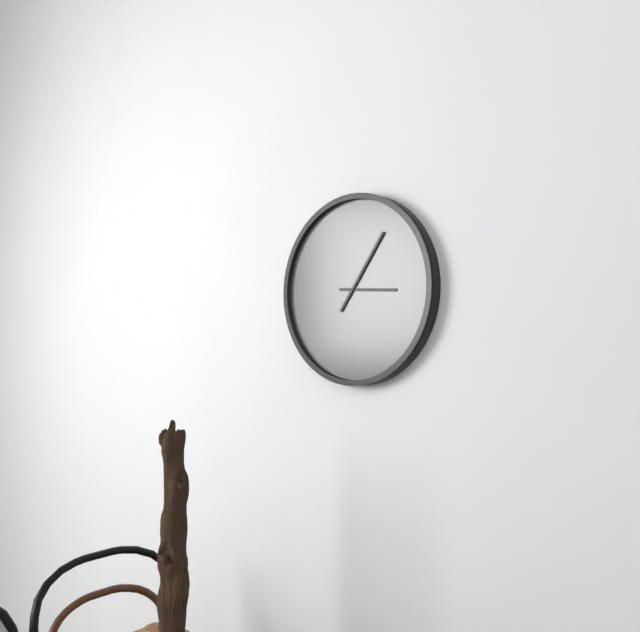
3:06
